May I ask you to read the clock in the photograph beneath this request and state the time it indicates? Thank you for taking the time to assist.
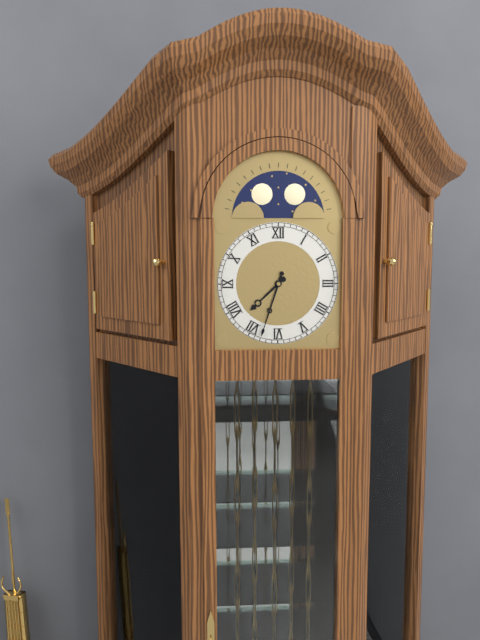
7:33
